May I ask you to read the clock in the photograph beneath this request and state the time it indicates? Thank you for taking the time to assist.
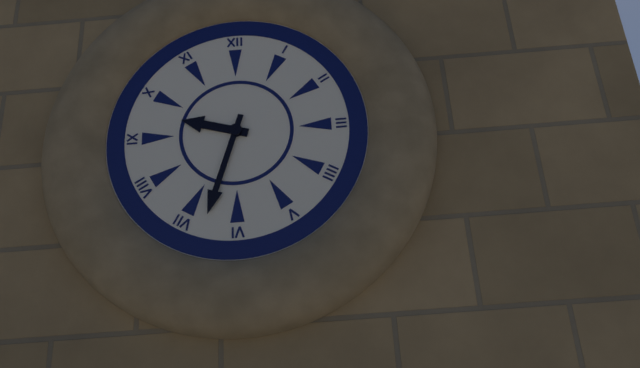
9:33
